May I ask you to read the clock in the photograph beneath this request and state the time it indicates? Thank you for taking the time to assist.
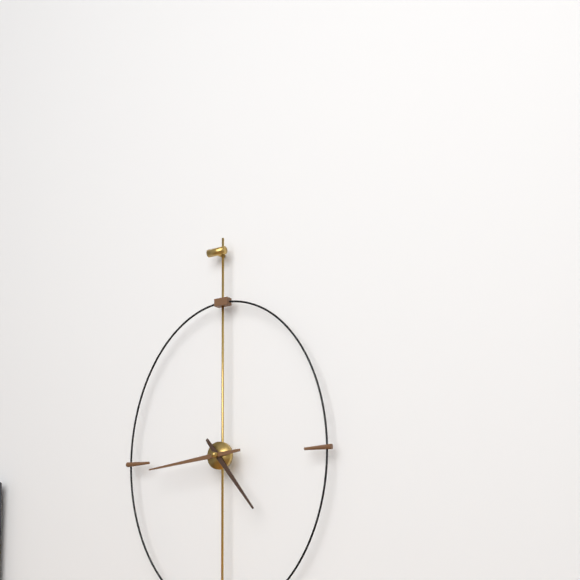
4:44
